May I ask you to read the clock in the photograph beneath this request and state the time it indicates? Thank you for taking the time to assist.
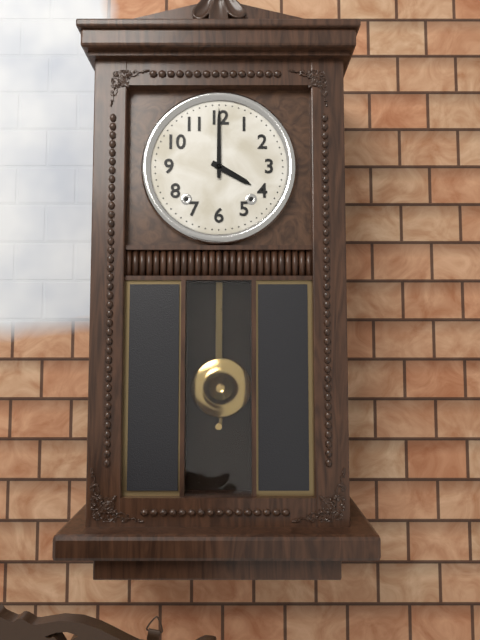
4:00
